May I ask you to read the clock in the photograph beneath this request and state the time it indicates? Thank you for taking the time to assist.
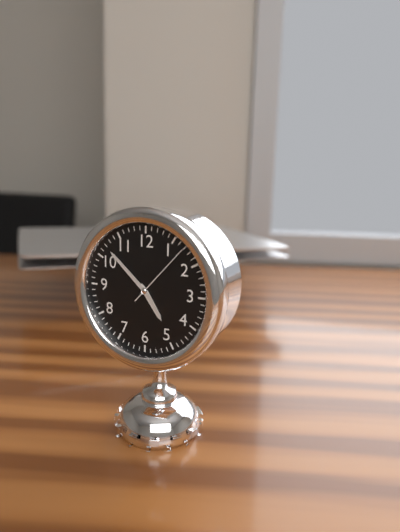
4:52:07
